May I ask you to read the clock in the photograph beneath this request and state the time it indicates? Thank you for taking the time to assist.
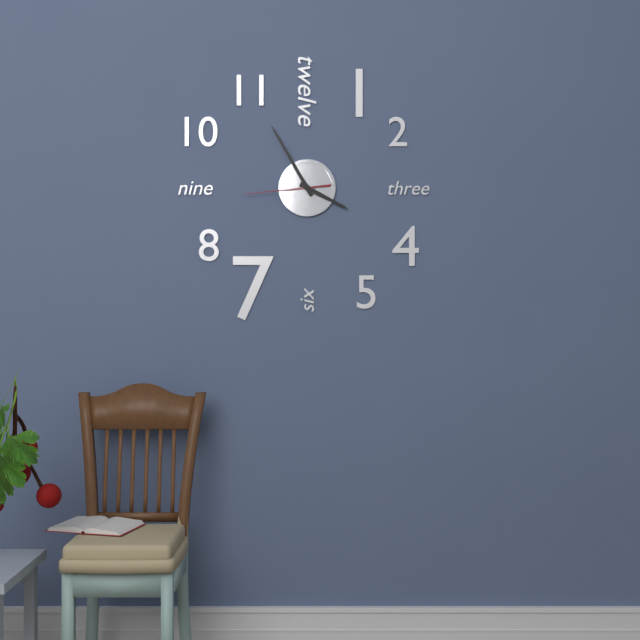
3:55:44
